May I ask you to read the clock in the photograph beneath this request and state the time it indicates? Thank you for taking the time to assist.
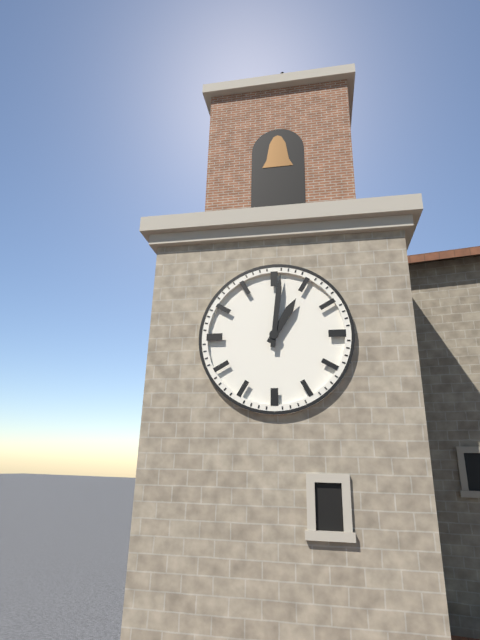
1:01
